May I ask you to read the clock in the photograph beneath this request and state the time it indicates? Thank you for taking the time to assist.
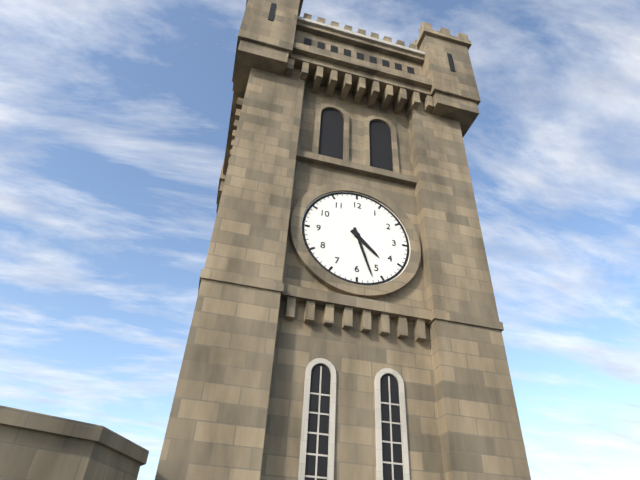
4:27
